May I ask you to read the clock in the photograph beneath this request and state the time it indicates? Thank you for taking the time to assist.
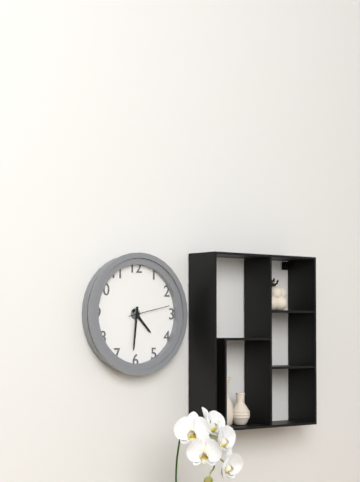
4:31
